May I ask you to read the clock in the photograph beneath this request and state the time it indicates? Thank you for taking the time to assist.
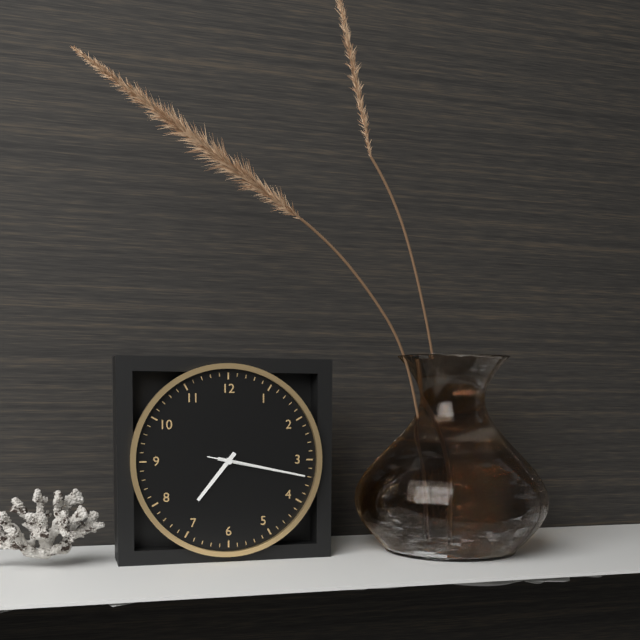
7:17:17
